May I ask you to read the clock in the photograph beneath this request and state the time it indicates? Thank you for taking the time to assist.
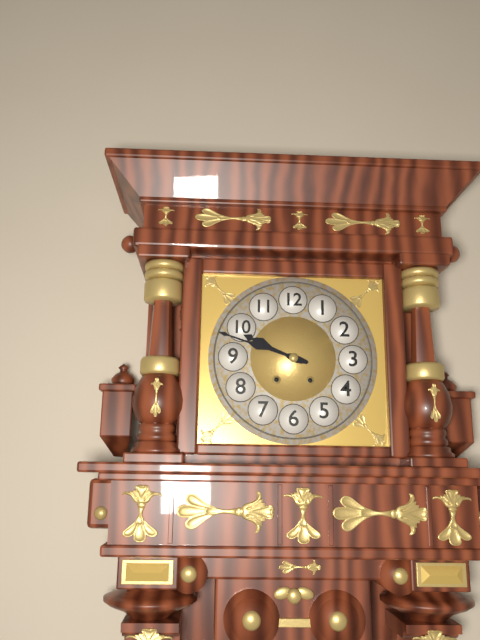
9:48
